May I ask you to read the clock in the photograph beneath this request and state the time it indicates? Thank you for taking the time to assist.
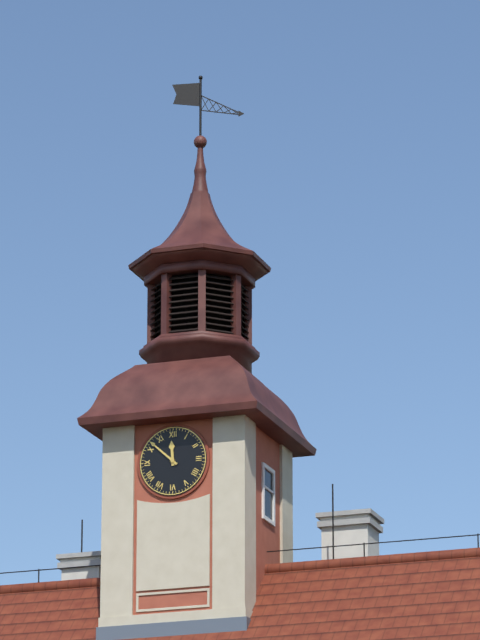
11:52
